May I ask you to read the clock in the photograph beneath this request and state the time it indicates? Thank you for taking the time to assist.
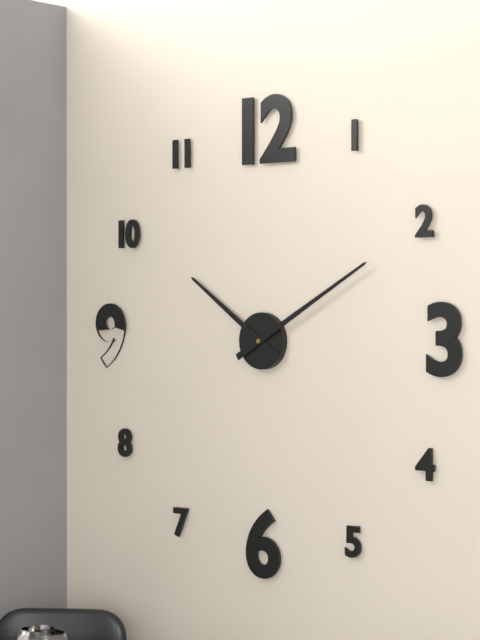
10:10
